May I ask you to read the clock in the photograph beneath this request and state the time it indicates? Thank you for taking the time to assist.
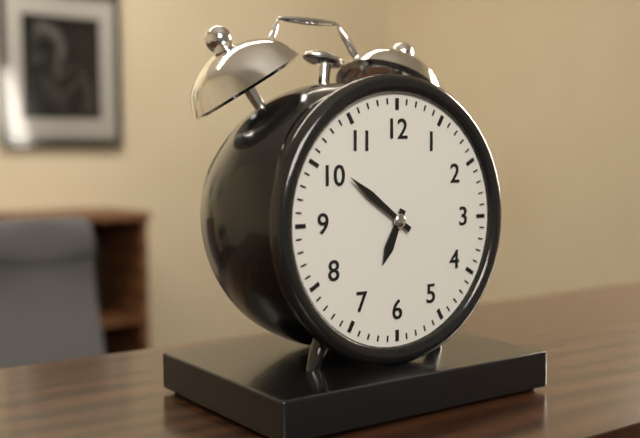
6:51
